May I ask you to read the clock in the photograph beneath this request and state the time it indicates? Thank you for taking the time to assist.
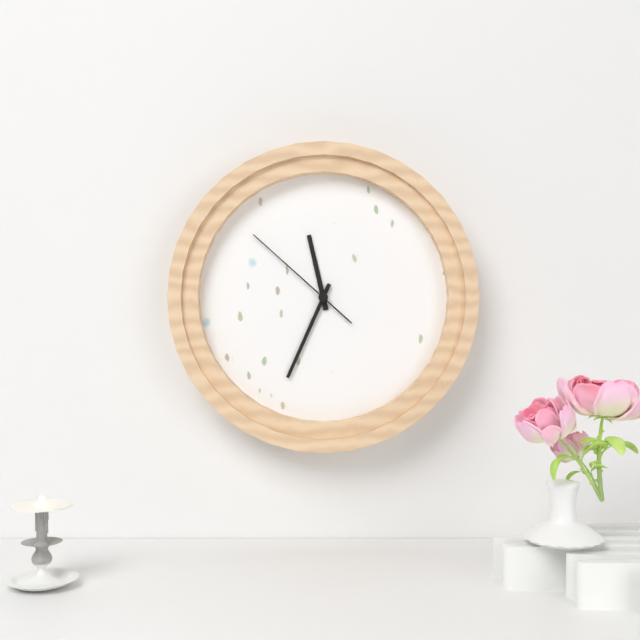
11:34:52
